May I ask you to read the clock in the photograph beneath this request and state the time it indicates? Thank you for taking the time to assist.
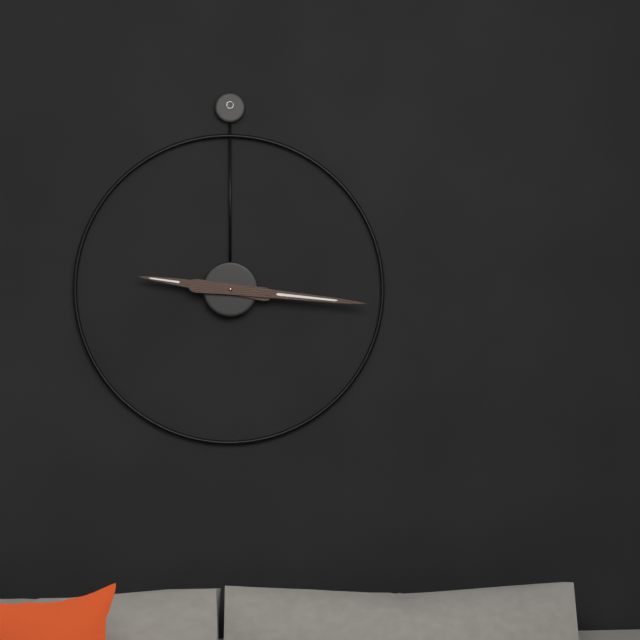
9:16
